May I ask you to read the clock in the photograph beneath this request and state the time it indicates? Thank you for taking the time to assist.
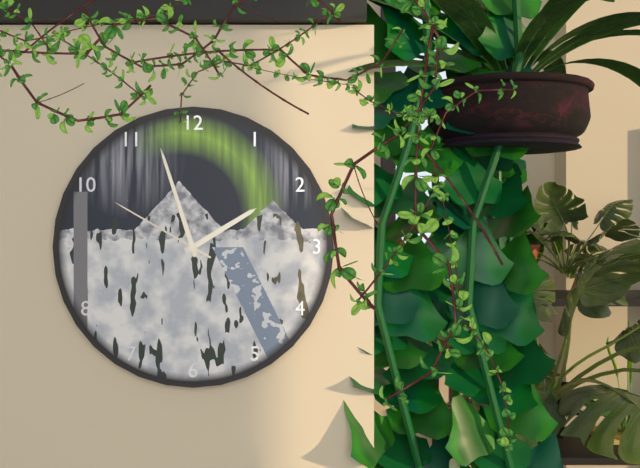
1:57:50
